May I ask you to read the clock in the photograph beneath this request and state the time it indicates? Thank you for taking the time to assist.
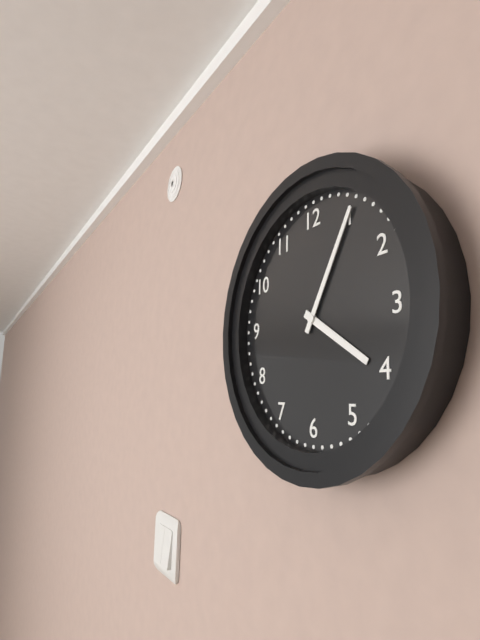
4:05
